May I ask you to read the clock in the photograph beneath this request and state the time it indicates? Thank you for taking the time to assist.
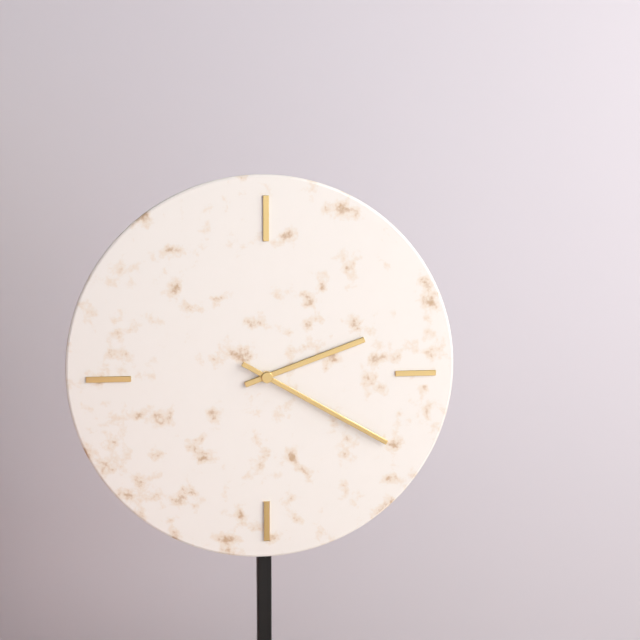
2:20
